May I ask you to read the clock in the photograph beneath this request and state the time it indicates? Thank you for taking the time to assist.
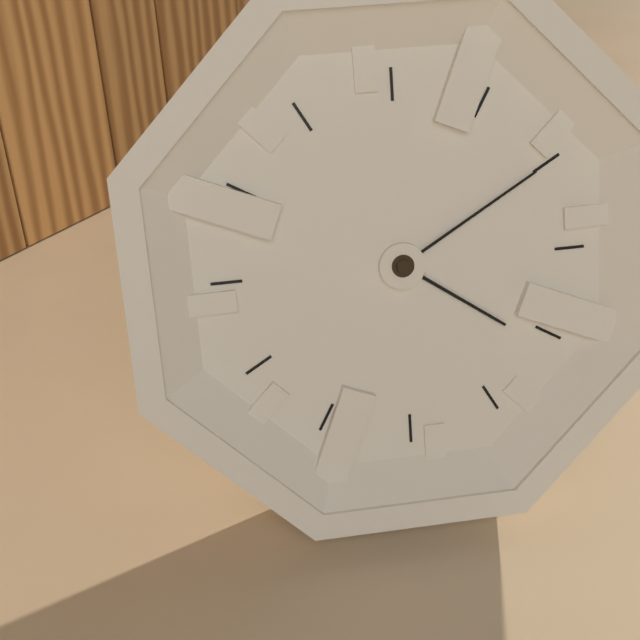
4:10
